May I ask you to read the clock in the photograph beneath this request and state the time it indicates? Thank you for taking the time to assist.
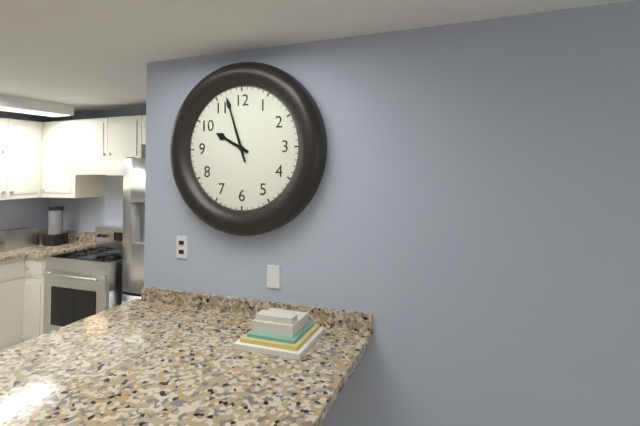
9:57
